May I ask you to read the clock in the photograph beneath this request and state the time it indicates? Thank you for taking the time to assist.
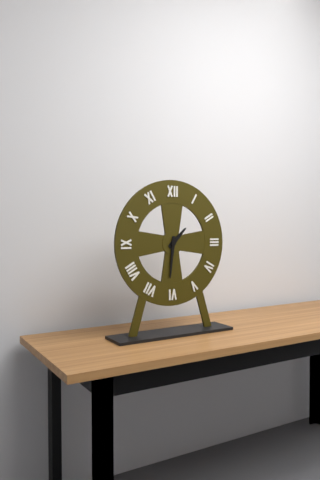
1:31
